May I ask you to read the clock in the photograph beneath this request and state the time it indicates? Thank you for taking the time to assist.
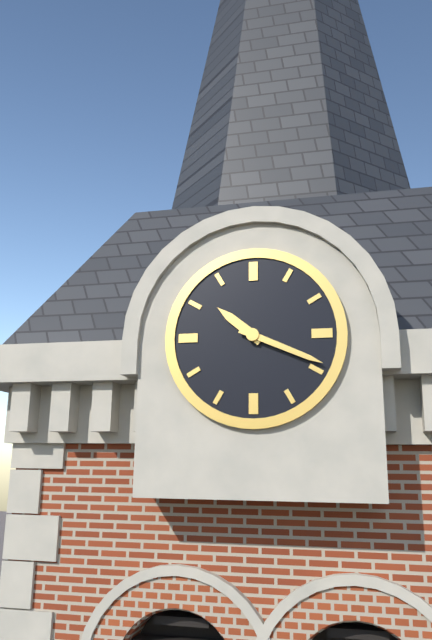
10:19
